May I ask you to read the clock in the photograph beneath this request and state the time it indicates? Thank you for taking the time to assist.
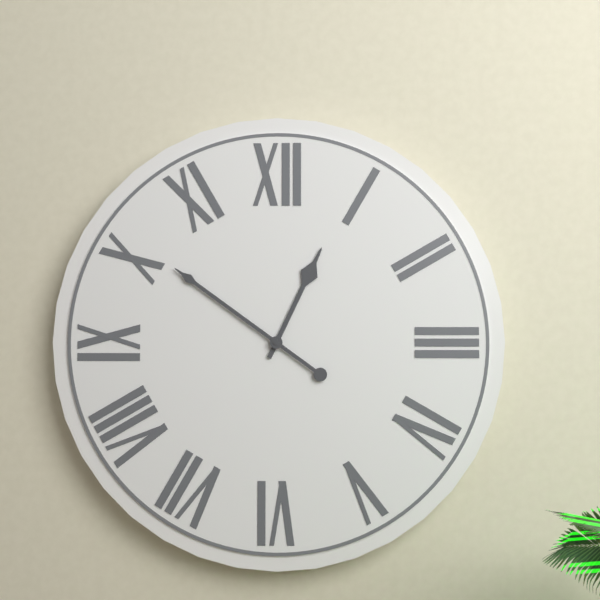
12:51
